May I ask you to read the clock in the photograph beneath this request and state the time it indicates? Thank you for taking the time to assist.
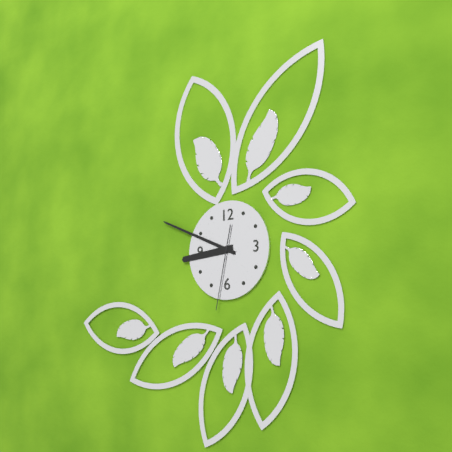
8:49:32
